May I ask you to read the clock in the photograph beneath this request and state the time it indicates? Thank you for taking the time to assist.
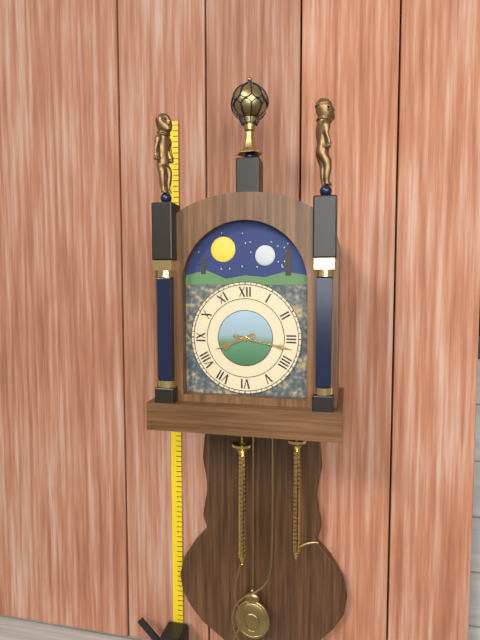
8:17
